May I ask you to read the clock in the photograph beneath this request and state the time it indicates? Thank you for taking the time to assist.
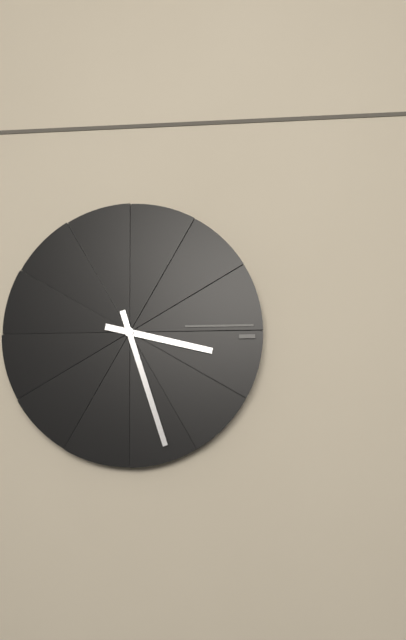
3:27
